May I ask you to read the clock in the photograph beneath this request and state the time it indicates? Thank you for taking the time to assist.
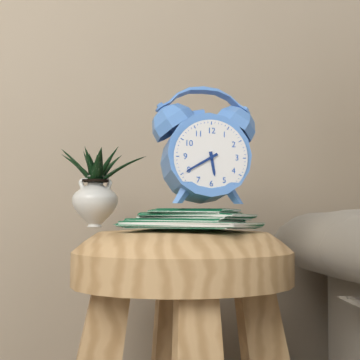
5:40
